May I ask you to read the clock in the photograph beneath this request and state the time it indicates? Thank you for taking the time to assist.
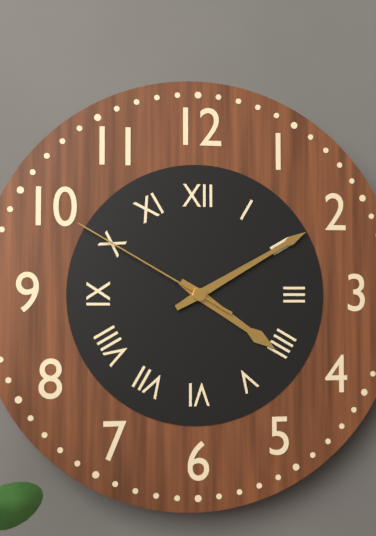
4:10:50
